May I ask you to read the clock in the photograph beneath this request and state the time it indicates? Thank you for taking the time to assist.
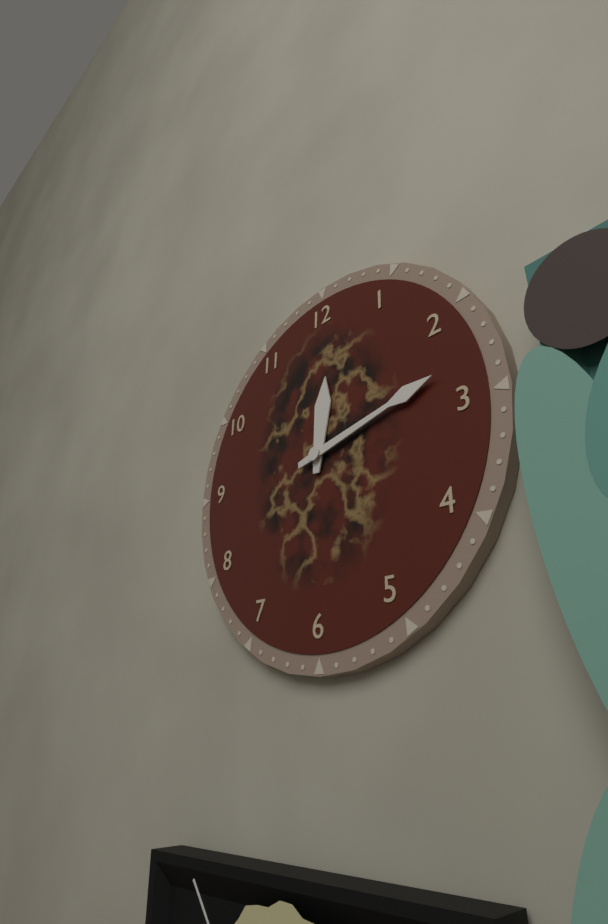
12:13
